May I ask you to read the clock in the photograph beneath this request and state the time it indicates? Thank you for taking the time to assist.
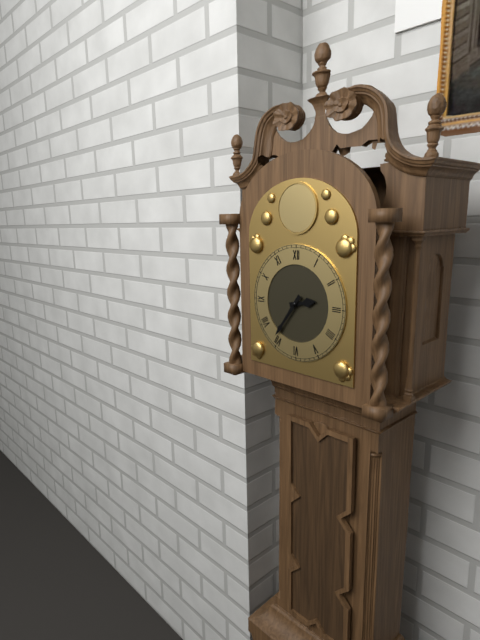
2:36
